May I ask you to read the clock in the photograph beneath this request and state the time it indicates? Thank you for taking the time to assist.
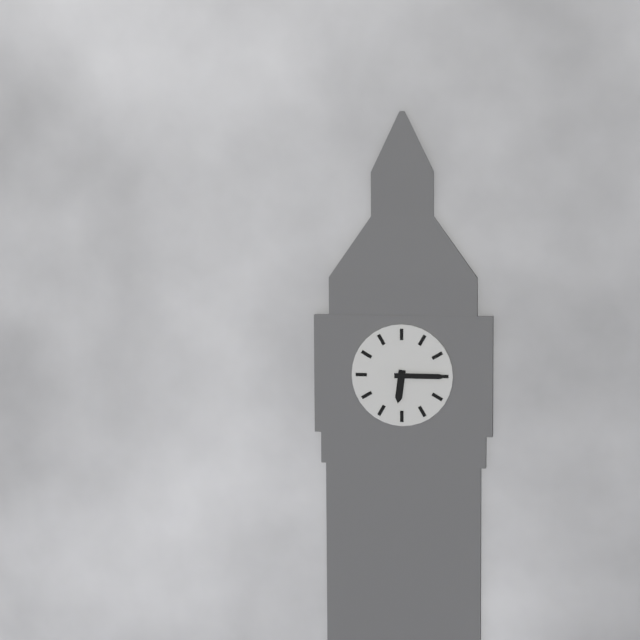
6:15
